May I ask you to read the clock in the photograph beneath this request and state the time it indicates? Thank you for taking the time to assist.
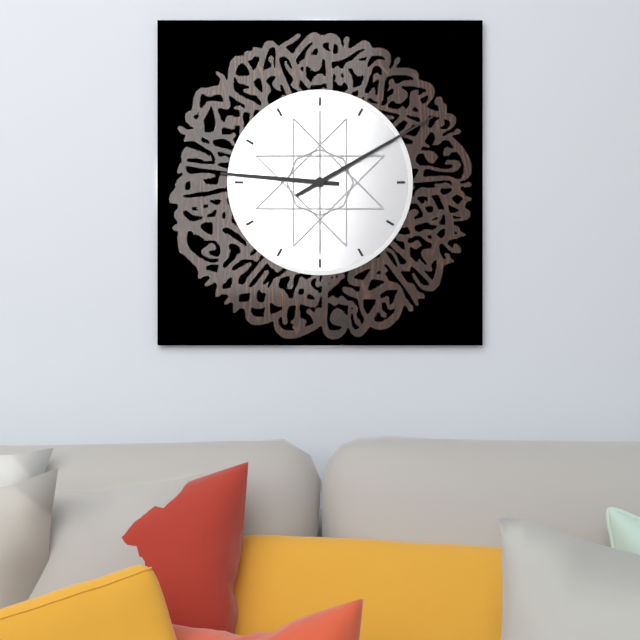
9:10
